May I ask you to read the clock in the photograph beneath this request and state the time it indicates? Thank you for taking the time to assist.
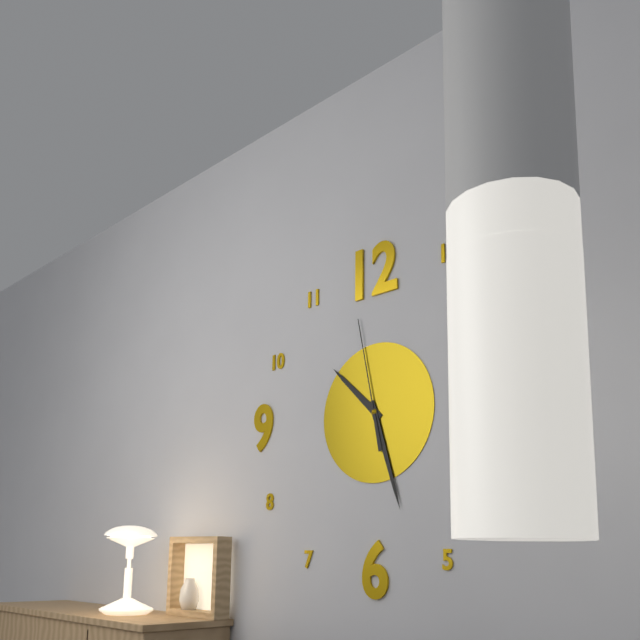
10:27:58
